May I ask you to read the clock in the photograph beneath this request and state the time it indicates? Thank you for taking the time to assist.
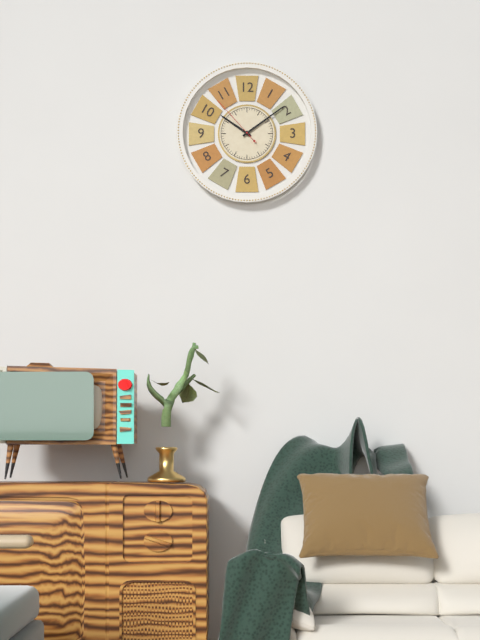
10:09:53
